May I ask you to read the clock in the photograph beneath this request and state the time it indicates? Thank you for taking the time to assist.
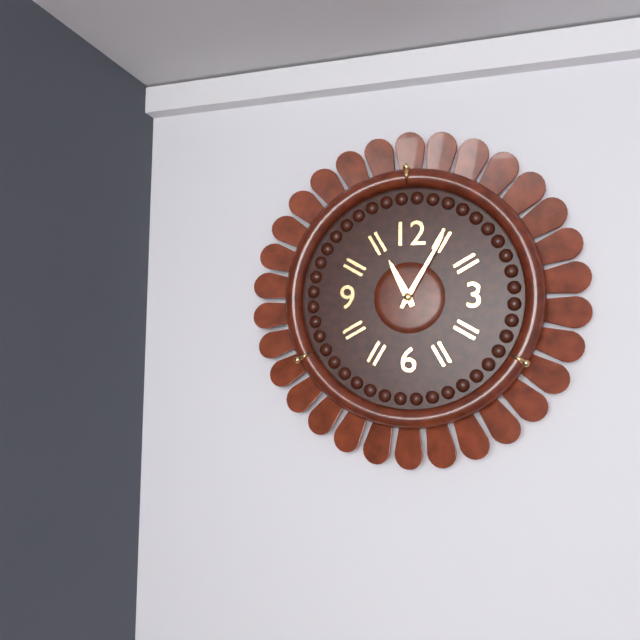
11:05
